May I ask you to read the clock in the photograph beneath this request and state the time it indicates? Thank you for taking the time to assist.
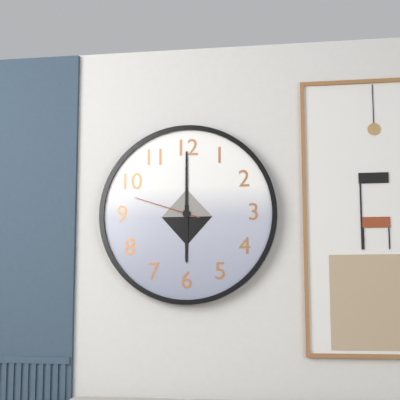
6:00:48
